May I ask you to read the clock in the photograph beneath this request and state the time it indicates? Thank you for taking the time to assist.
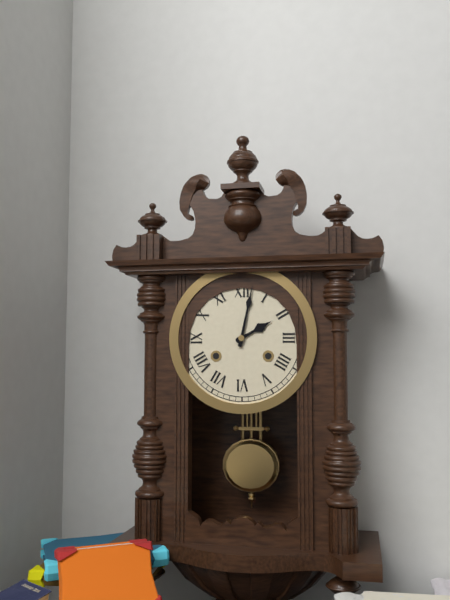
2:02
